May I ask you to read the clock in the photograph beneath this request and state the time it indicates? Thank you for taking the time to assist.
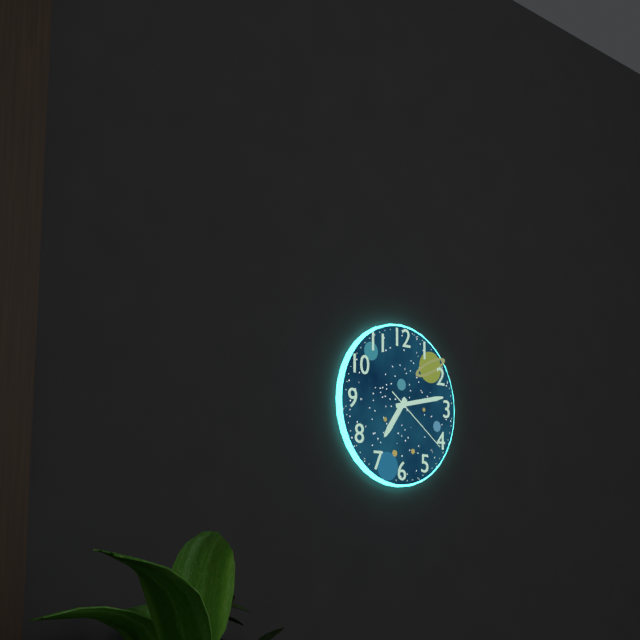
7:13:21
